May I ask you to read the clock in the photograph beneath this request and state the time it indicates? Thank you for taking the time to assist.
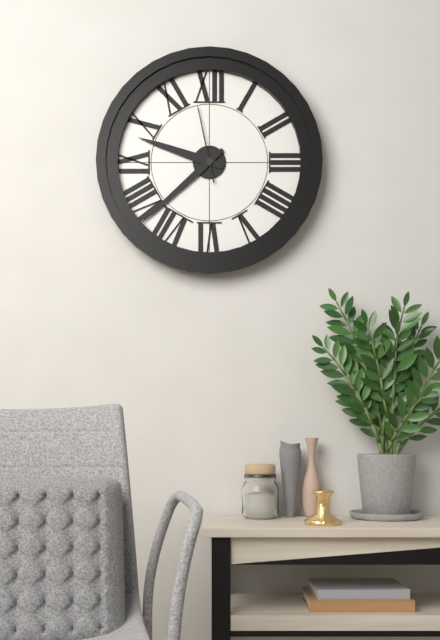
9:38:58
